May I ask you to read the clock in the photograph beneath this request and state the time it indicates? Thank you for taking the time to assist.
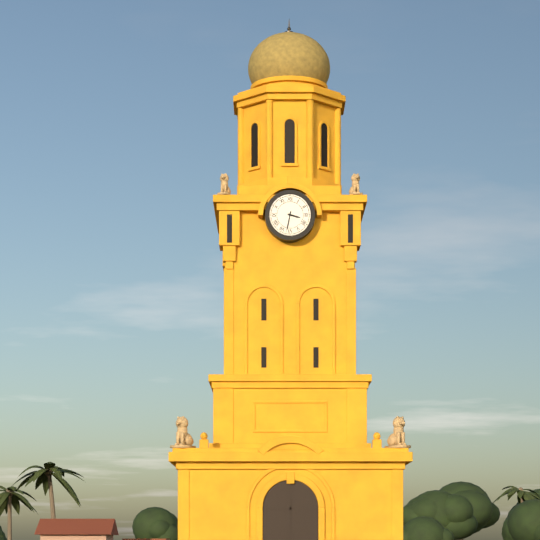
3:32
